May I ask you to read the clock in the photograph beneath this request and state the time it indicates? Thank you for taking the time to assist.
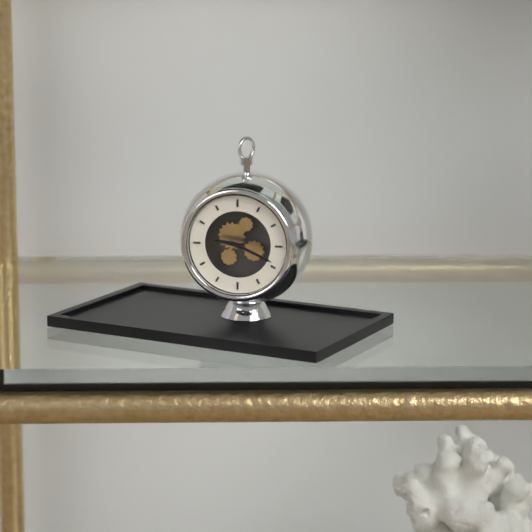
9:19
